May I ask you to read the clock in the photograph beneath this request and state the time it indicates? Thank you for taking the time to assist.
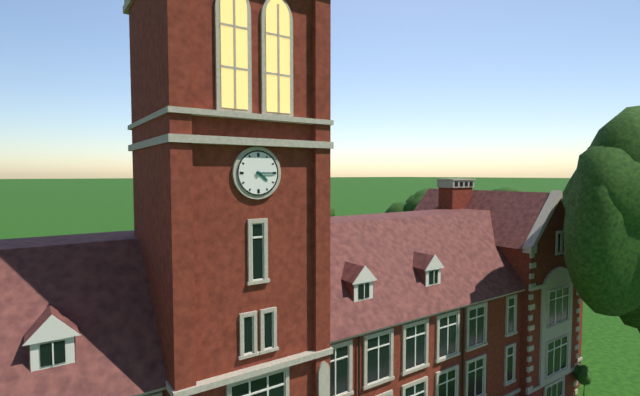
4:15
